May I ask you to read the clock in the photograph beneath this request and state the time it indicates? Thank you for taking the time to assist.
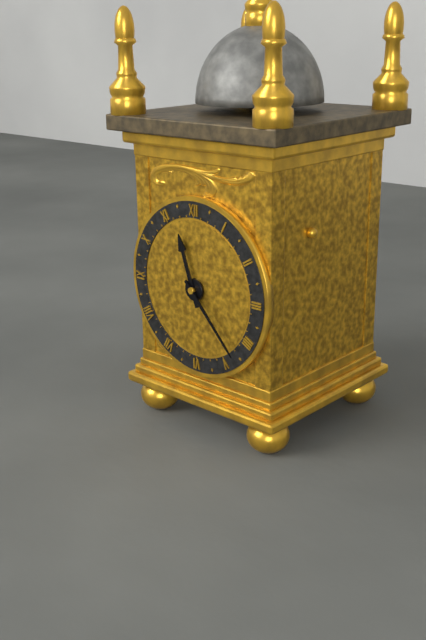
11:23
